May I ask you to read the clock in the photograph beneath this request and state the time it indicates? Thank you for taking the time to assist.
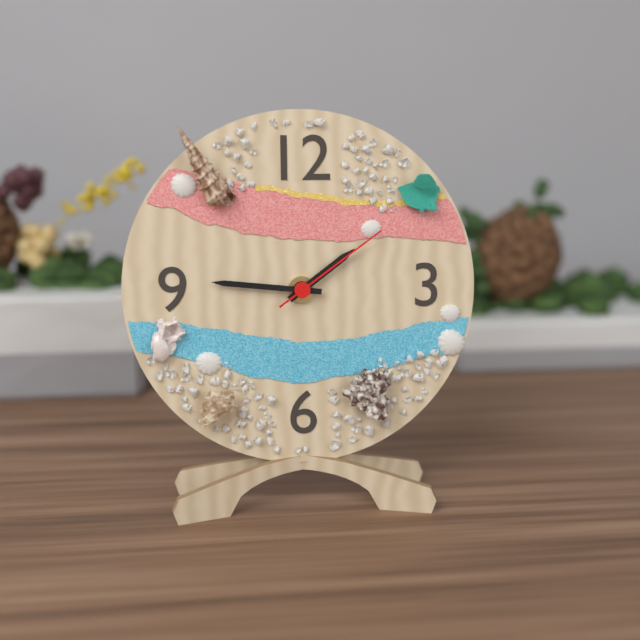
1:46:09
